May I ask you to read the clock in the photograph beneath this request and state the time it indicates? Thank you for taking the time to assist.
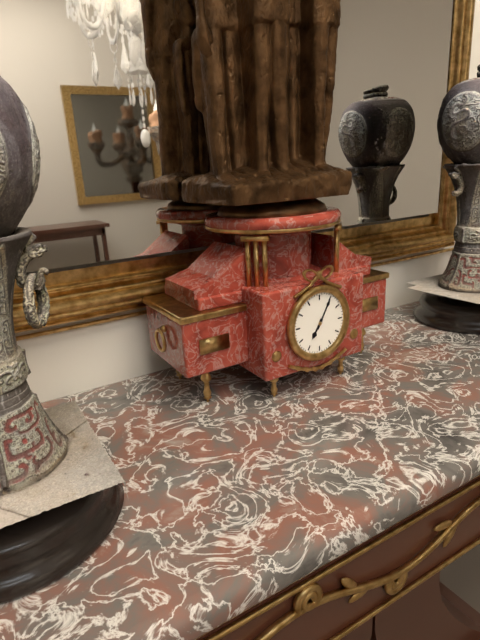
7:05
